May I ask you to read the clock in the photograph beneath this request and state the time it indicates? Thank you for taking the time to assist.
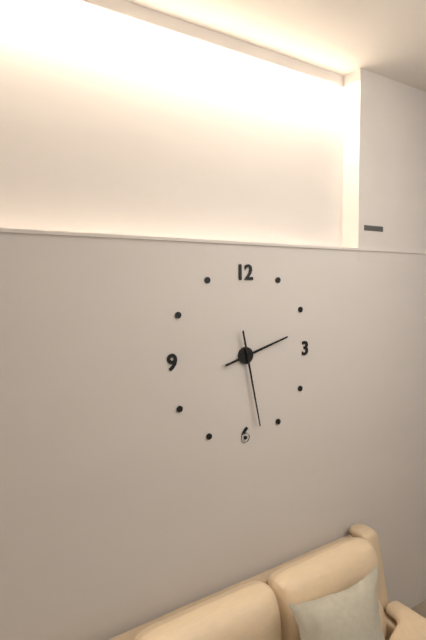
2:28
